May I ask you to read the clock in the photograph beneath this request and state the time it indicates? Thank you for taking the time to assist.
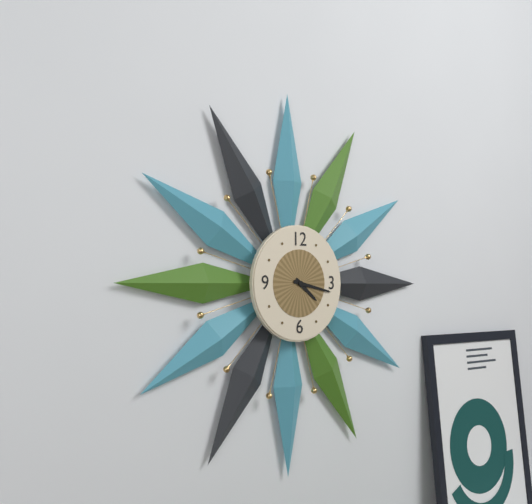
4:17
